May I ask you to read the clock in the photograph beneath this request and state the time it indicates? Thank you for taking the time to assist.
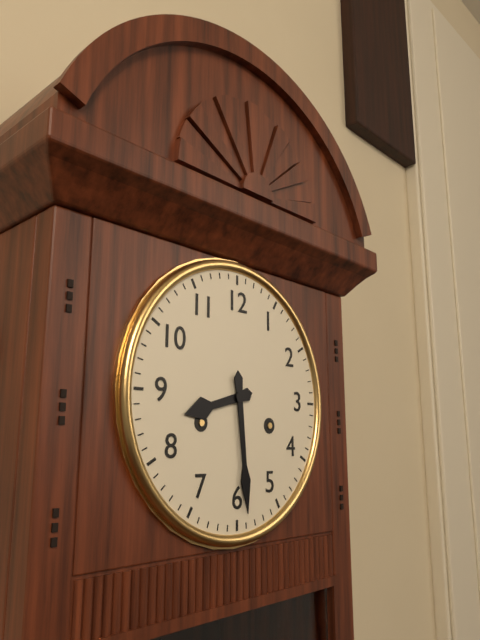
8:29
